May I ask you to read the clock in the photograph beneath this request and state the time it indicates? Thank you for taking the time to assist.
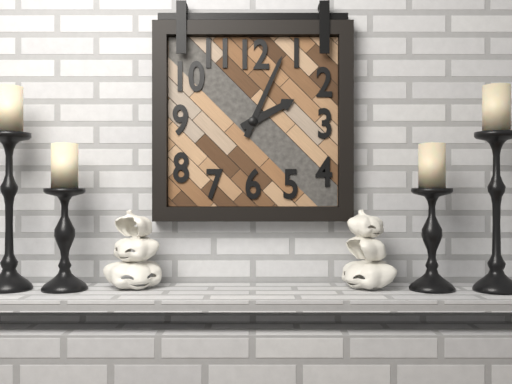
2:04
